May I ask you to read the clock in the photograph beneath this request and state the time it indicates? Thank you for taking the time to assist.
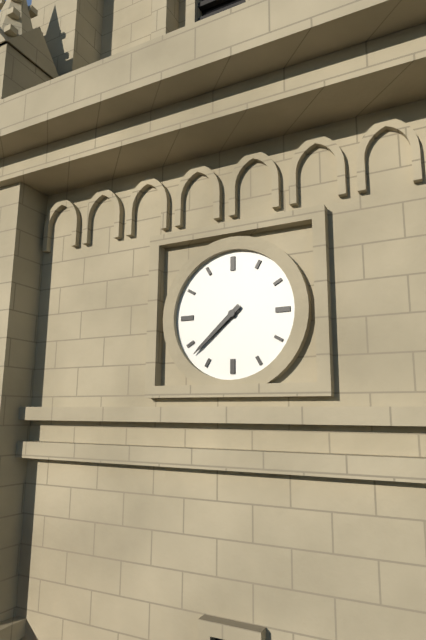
7:38
